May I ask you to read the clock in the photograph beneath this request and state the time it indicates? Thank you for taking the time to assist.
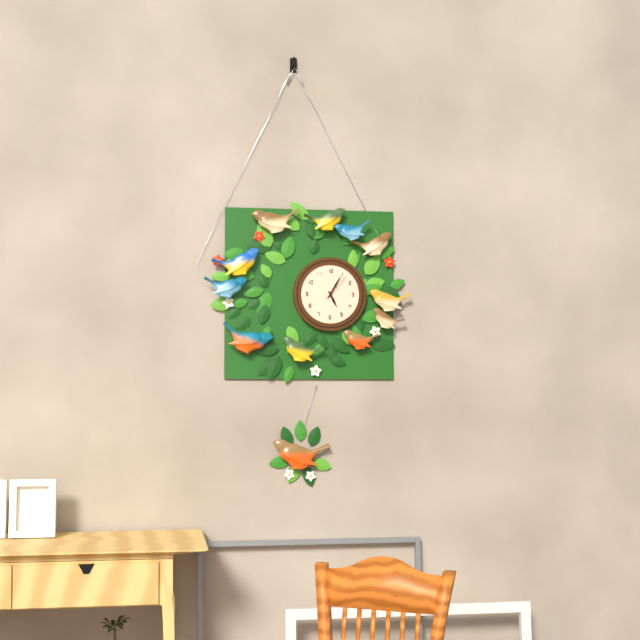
5:05
